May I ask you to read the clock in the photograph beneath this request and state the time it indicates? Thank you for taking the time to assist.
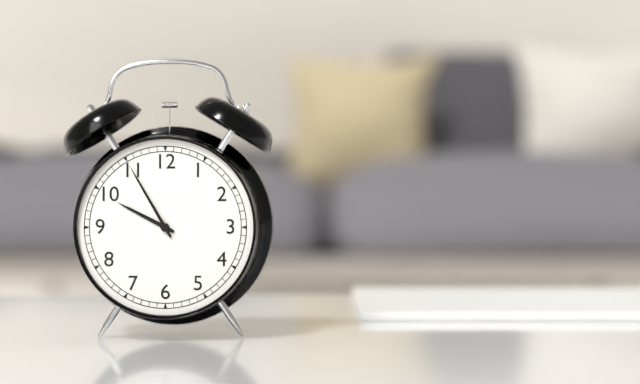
9:55
